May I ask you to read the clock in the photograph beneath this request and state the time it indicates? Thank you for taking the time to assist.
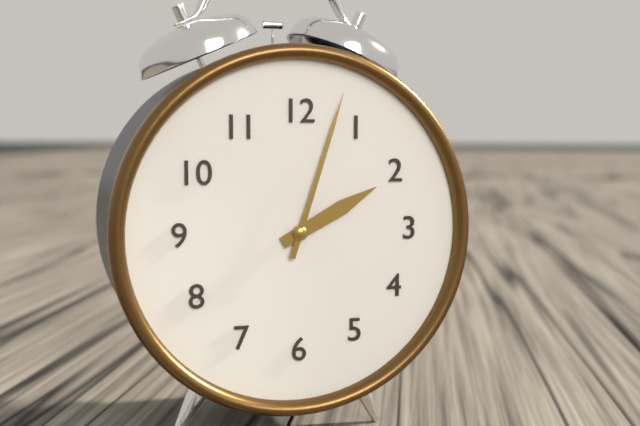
2:03
